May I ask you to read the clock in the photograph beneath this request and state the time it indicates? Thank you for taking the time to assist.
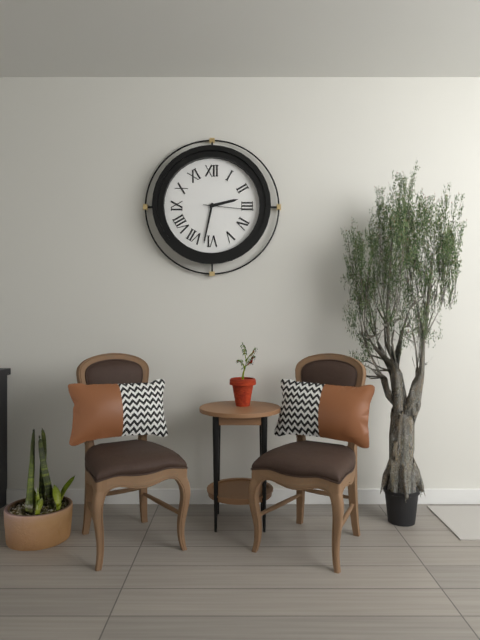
2:32:16
